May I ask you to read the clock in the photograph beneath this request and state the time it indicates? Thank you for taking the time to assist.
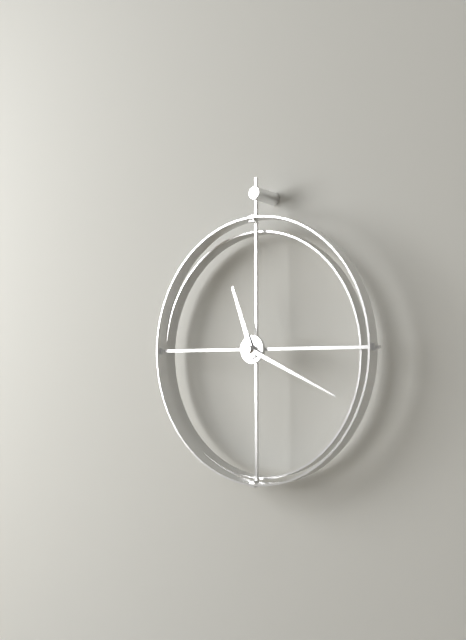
11:19
